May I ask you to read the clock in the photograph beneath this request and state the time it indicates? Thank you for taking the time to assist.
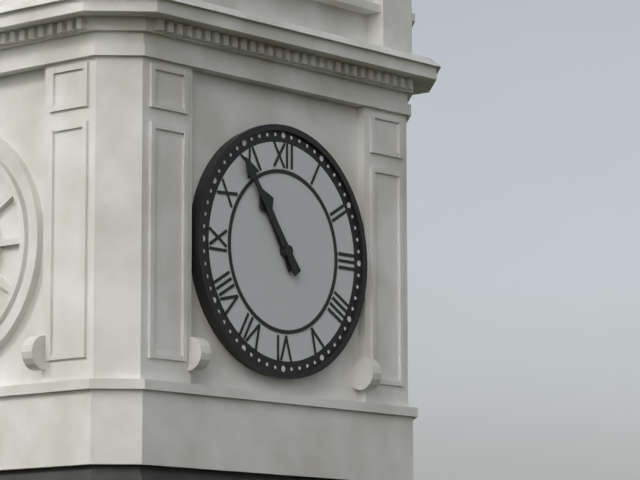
10:54
